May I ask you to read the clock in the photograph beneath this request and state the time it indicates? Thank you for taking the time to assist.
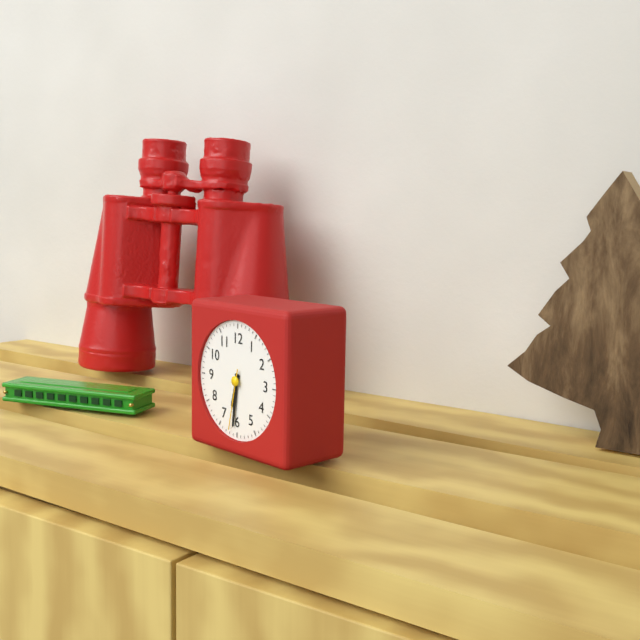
6:31:32
